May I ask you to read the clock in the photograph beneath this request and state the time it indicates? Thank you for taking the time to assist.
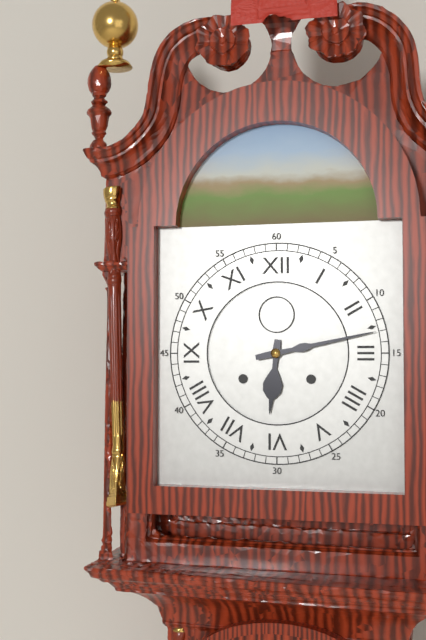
6:13
